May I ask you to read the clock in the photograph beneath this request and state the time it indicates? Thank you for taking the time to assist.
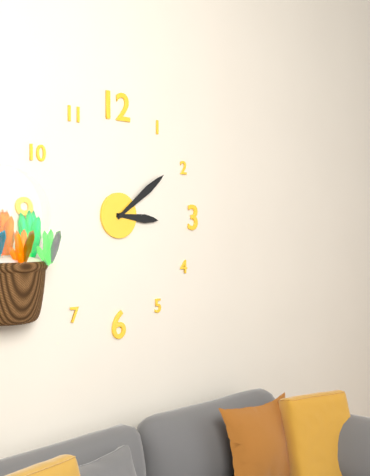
3:09
